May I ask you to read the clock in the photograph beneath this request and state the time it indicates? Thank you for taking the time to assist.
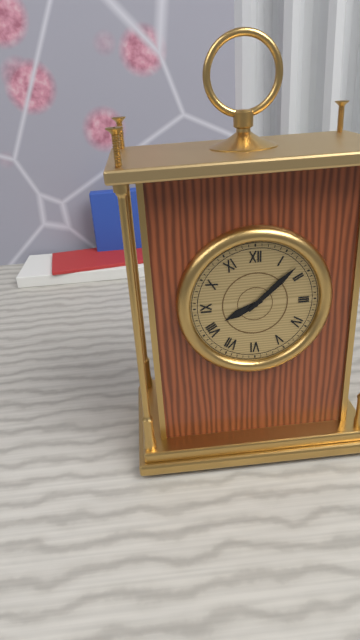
8:08
